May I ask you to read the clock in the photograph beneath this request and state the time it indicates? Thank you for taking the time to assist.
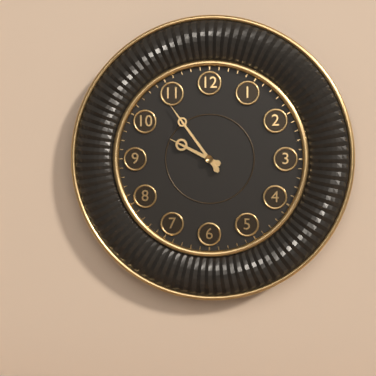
9:54
